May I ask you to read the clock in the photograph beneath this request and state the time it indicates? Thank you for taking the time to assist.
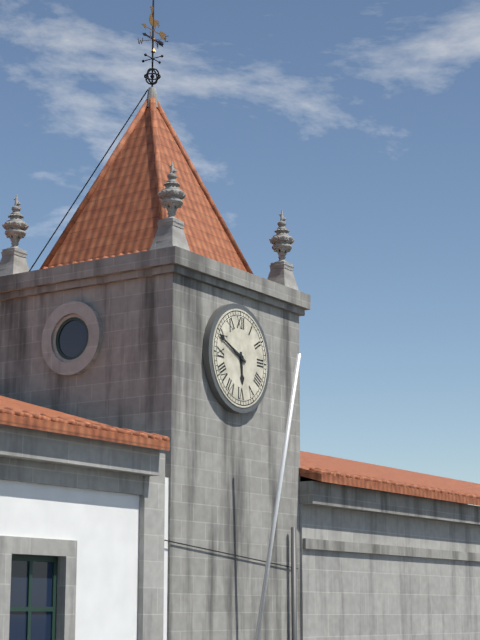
5:49
